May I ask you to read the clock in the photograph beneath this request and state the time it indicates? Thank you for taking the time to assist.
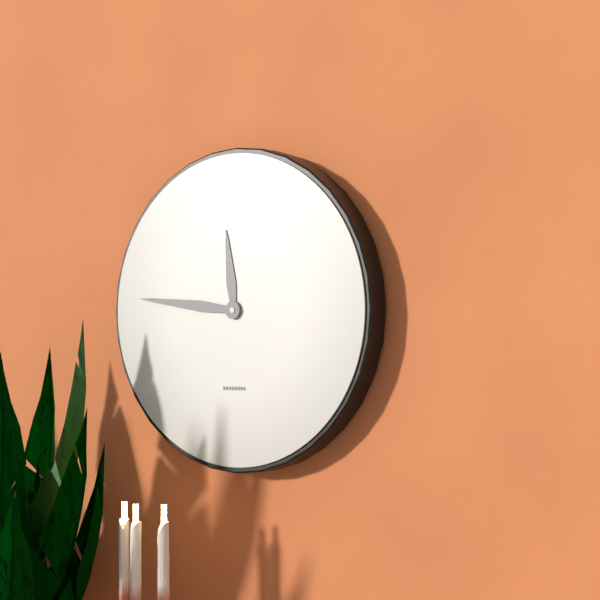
11:46
